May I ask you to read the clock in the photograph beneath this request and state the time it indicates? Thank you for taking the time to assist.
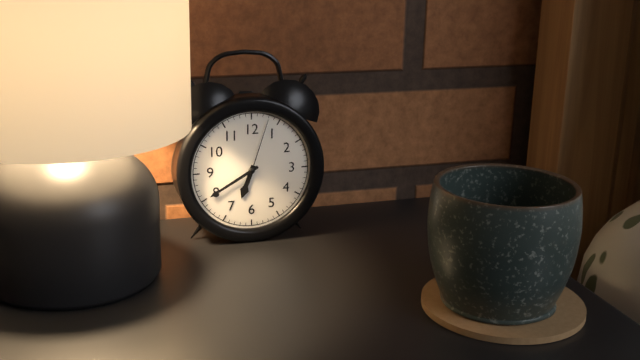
6:40:03
